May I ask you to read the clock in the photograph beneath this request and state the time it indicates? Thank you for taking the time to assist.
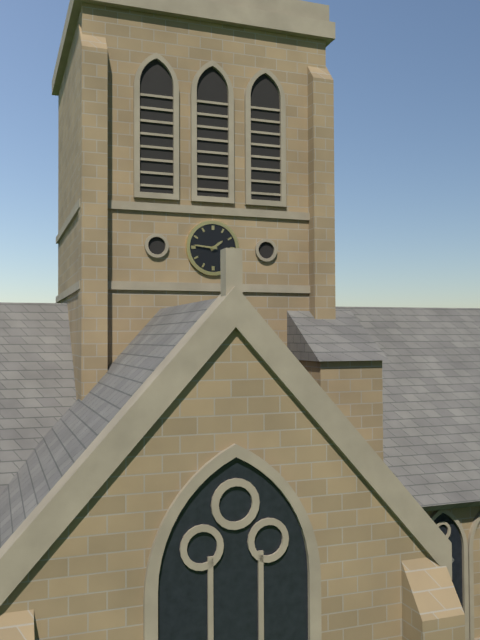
1:46
